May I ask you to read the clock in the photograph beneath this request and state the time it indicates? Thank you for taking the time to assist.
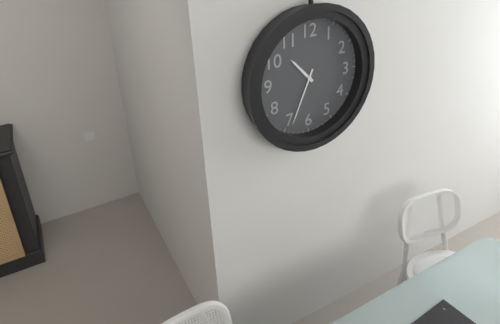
10:34
